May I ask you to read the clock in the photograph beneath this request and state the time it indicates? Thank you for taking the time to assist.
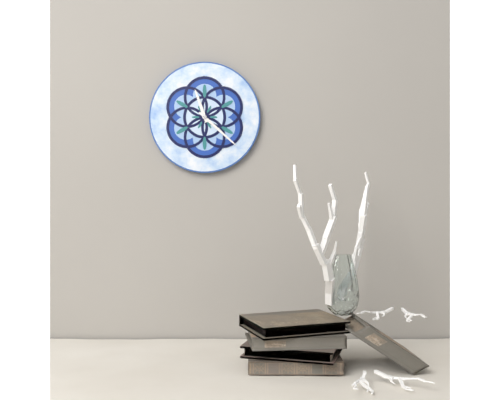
11:22
